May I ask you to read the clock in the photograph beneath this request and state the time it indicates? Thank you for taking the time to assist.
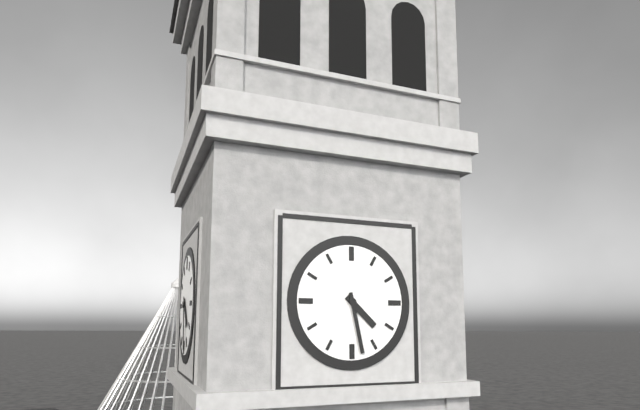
4:28
